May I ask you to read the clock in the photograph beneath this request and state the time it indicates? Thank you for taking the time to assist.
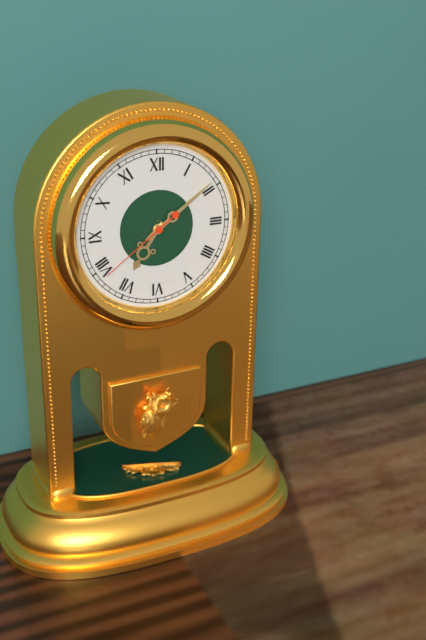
7:09:39
